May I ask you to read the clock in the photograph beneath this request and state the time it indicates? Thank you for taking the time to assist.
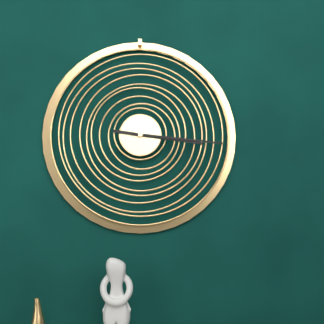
3:16
